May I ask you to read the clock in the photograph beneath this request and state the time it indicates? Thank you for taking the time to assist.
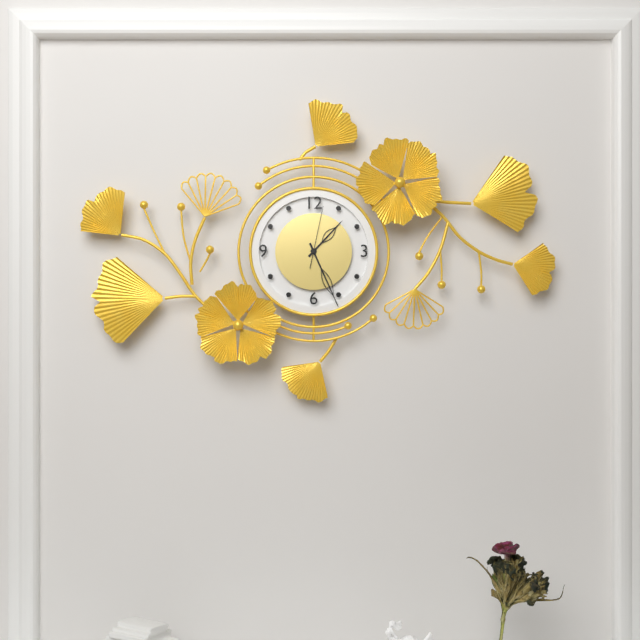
1:26:02
